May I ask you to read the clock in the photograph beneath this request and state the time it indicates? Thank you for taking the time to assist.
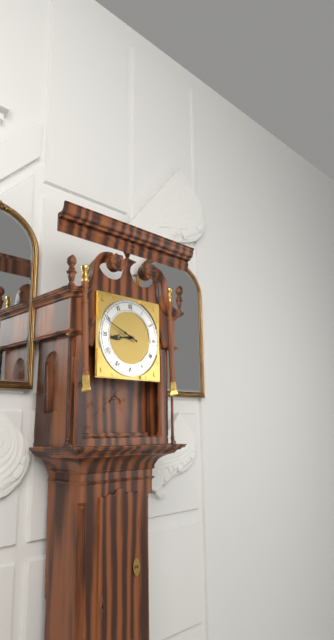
8:49
